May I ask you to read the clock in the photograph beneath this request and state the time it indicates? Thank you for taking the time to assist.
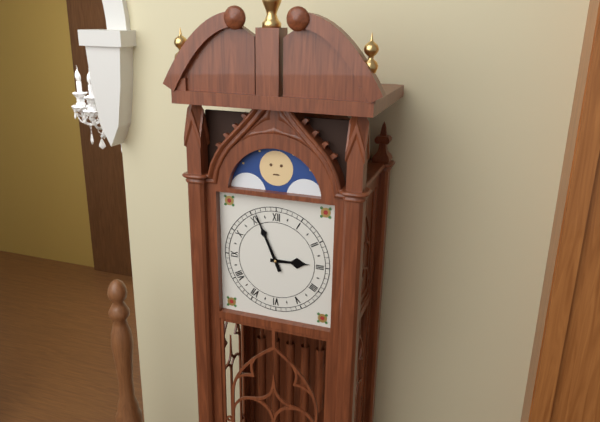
2:56
